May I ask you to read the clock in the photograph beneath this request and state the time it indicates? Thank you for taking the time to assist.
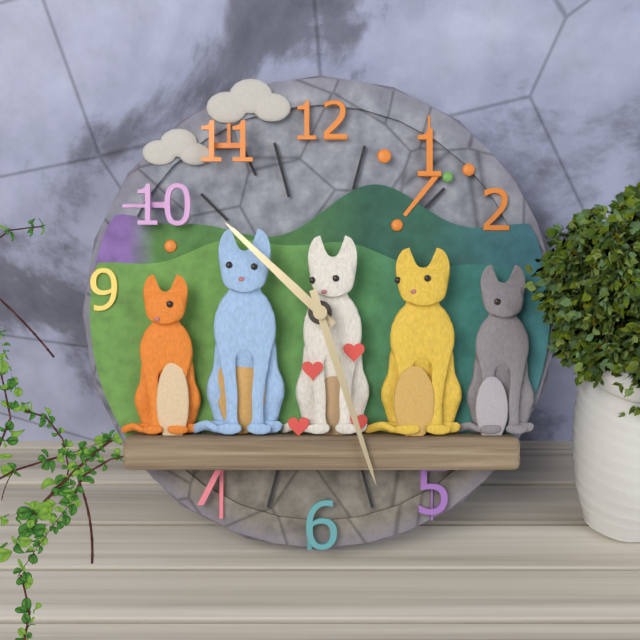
10:27
